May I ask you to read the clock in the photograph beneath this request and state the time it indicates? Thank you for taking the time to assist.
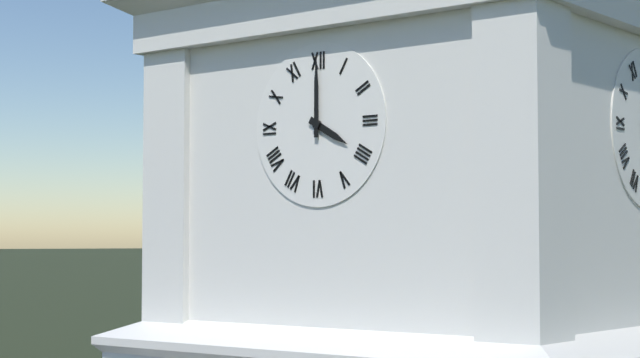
4:00
